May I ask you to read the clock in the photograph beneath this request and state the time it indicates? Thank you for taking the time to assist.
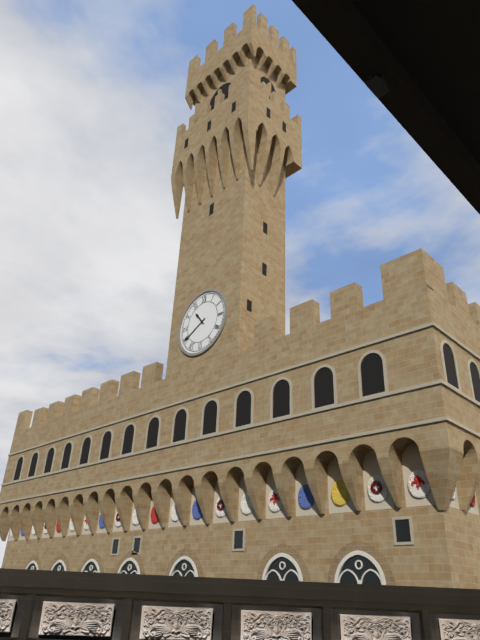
10:40
